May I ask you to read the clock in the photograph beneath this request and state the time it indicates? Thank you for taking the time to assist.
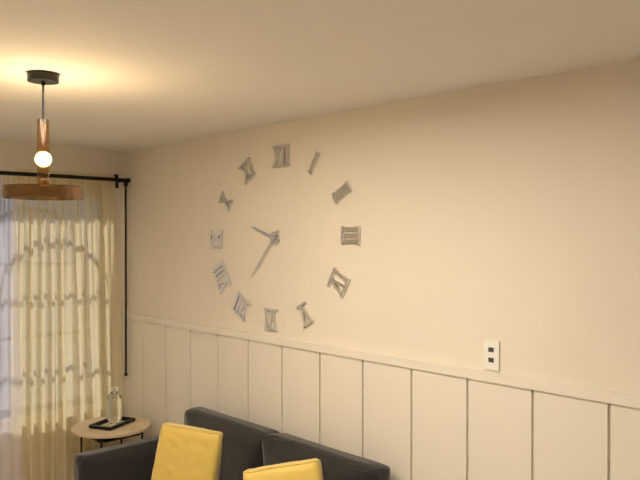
9:37
